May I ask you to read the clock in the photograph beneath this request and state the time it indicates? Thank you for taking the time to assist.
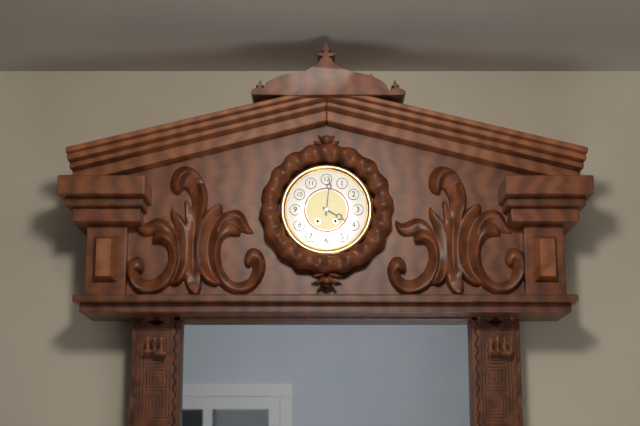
4:01
